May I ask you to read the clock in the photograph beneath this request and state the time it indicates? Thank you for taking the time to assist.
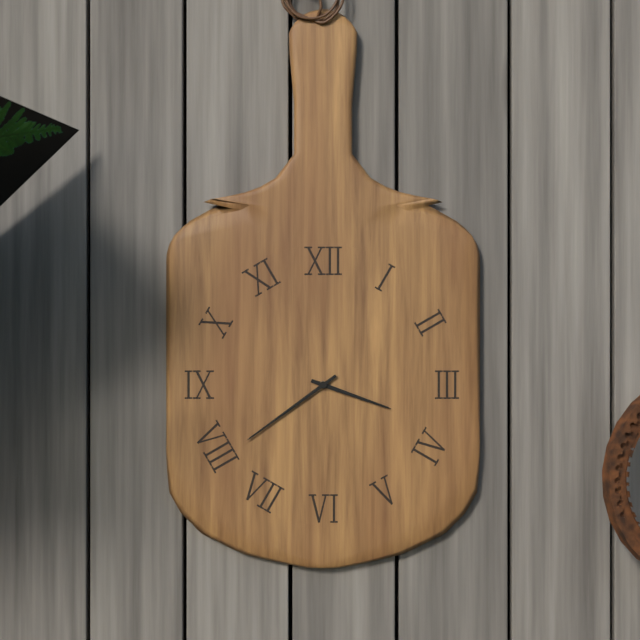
3:39
